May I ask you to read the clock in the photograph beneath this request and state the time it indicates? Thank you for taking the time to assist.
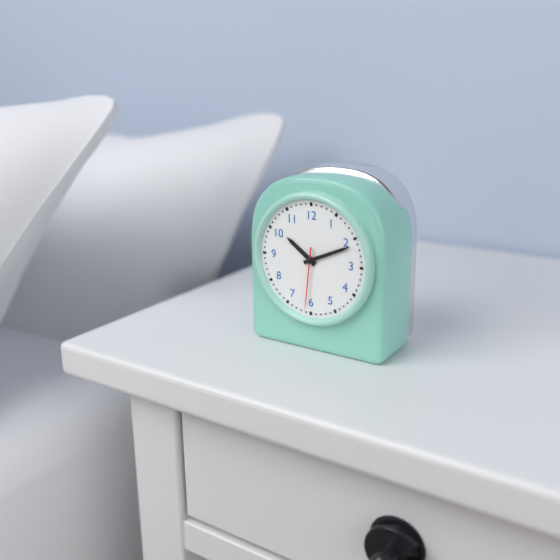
10:11:31
